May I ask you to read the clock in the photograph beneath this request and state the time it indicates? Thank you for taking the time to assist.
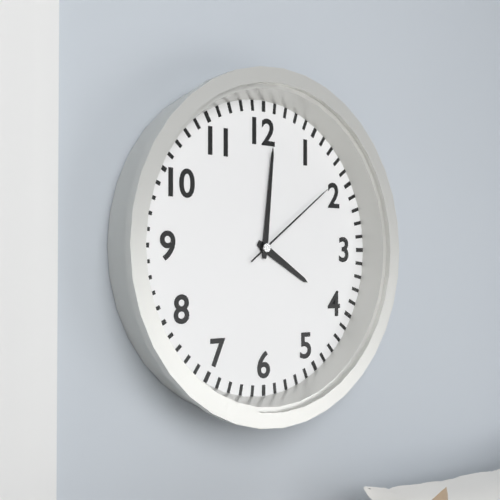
4:01:09
